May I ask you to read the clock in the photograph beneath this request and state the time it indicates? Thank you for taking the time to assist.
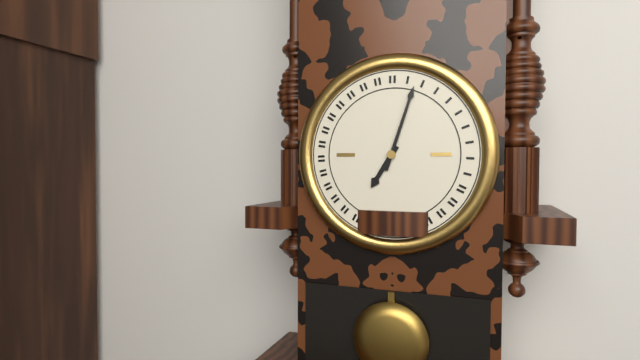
7:03
